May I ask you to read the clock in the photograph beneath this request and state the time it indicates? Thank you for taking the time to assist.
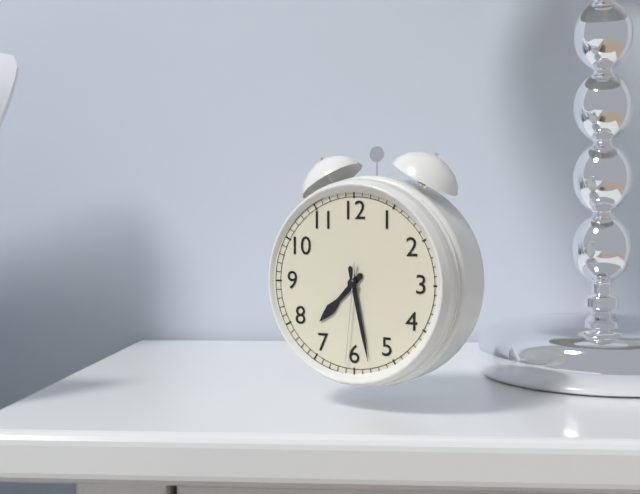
7:28:31
